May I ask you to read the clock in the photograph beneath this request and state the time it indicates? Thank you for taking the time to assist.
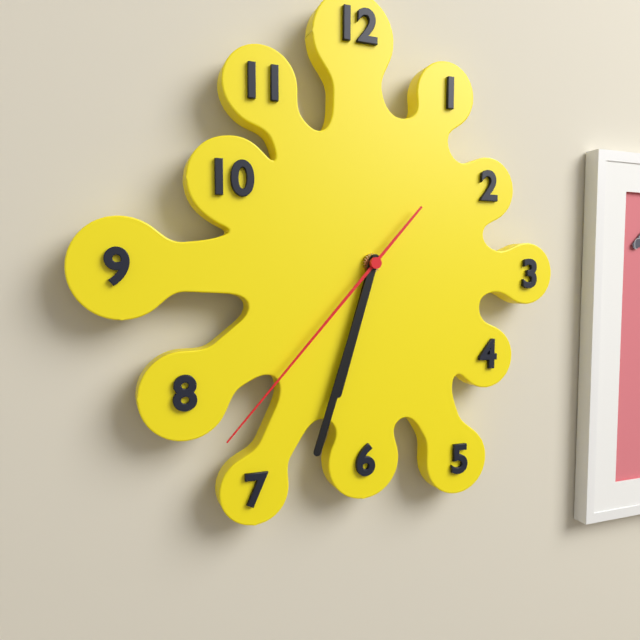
6:33:37
